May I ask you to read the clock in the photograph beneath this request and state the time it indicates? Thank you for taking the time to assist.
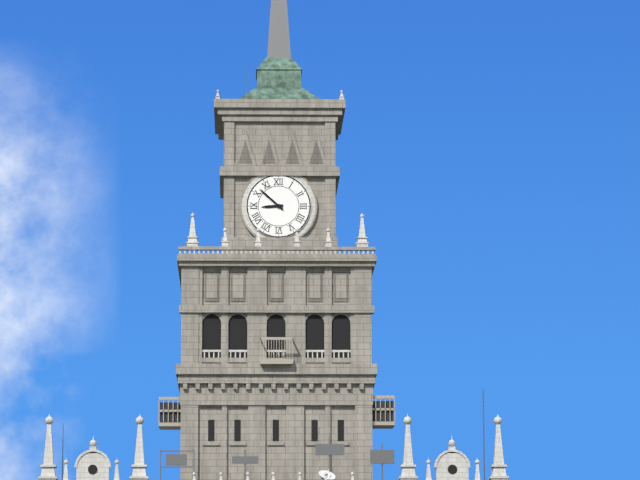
8:52
